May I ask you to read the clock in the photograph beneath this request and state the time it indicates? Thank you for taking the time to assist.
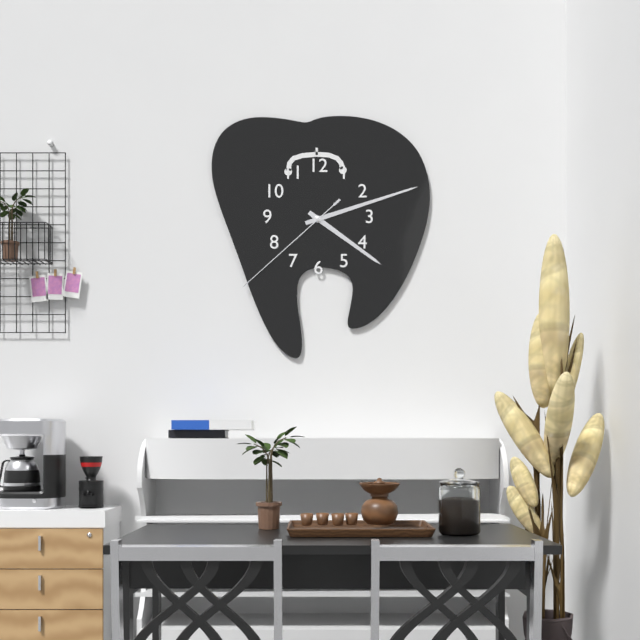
4:12:38
